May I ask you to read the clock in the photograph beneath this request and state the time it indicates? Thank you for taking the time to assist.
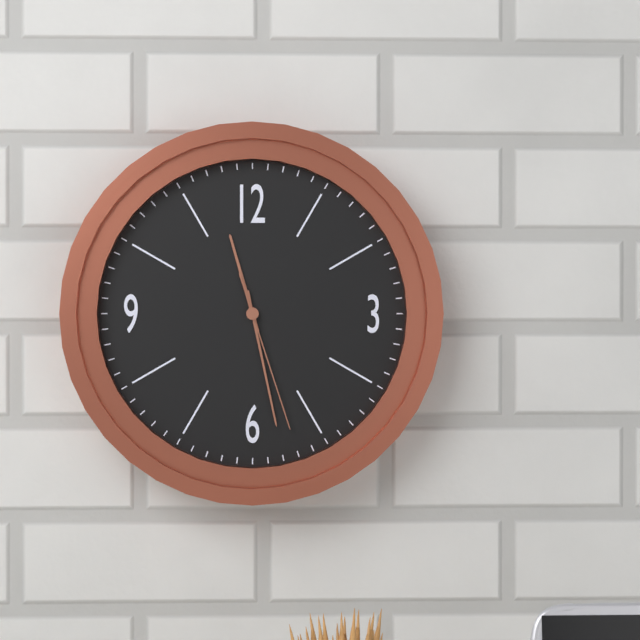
11:28:27
